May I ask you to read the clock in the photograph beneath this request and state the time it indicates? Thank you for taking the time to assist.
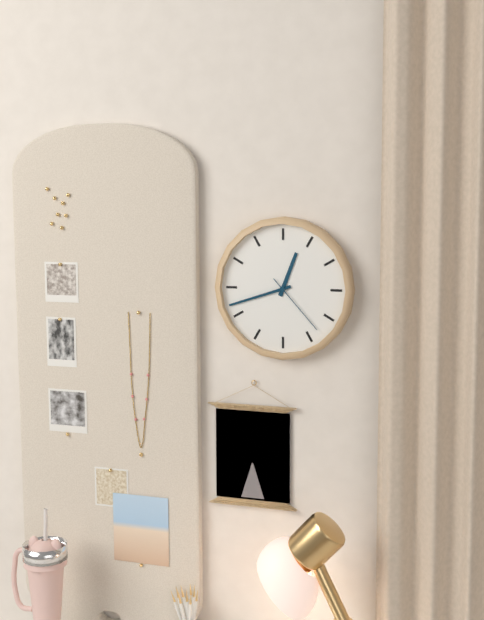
12:42:23
